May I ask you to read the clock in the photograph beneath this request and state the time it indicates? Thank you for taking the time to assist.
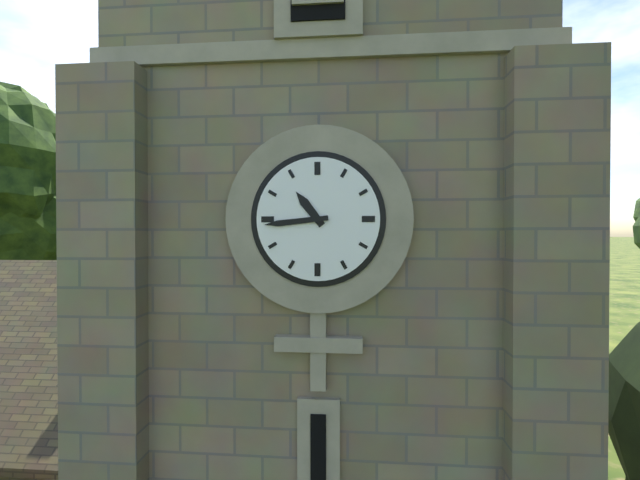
10:44
